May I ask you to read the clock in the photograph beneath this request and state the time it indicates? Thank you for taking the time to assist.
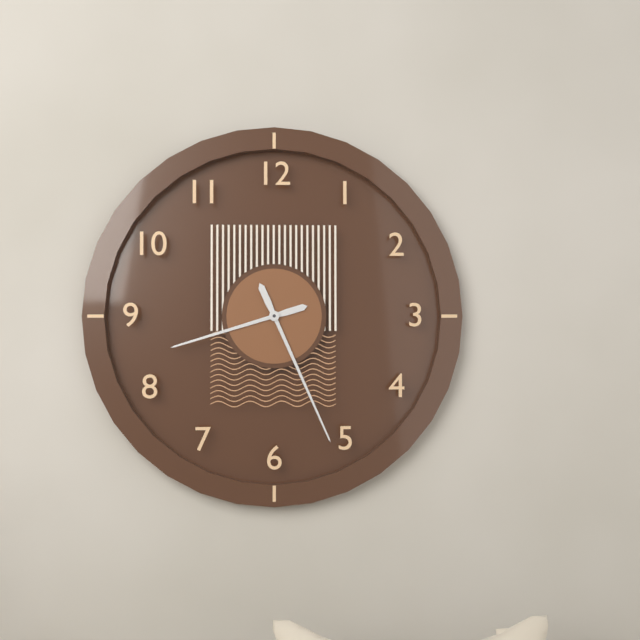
8:26
